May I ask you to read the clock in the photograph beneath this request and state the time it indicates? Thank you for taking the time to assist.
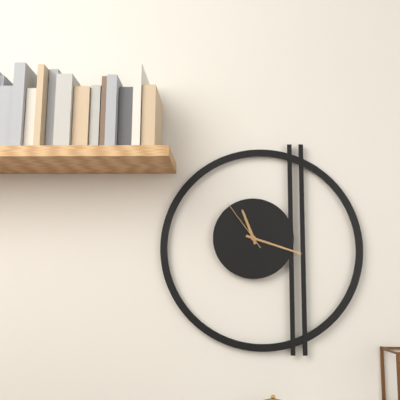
11:18:54
